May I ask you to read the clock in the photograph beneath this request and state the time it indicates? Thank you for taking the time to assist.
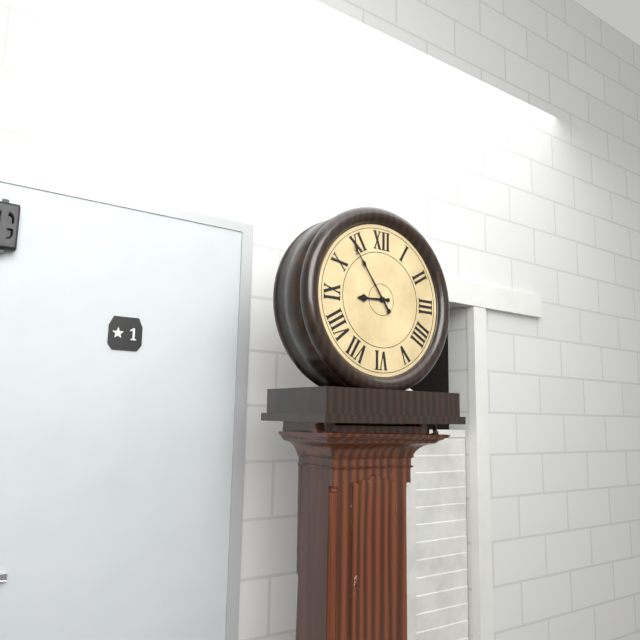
8:54
